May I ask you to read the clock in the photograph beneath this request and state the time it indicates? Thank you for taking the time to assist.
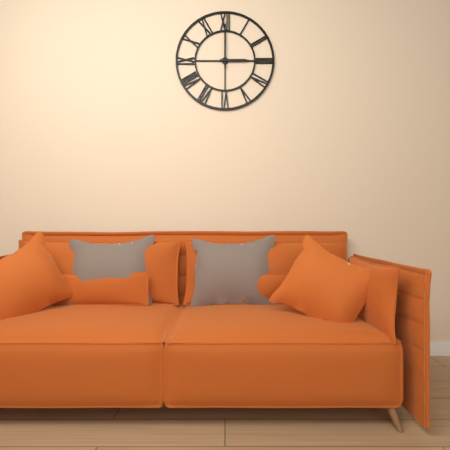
3:00
